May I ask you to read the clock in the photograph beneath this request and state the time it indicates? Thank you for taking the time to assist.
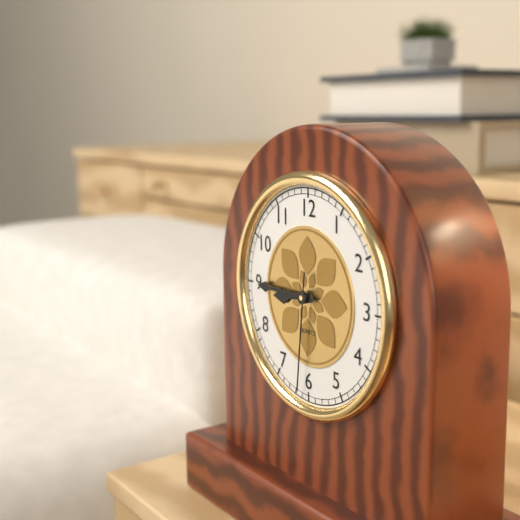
8:45:31
